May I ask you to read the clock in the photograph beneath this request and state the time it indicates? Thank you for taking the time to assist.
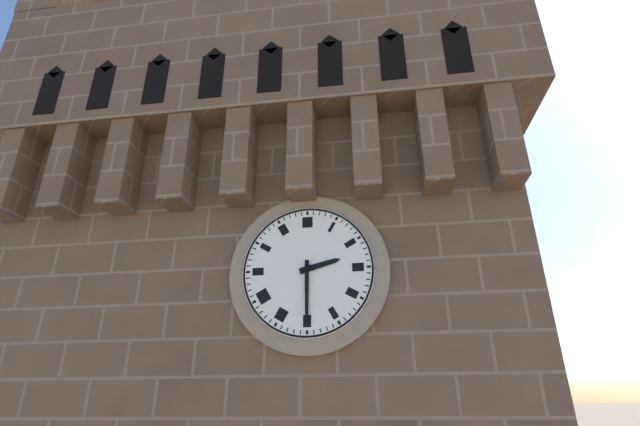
2:30
